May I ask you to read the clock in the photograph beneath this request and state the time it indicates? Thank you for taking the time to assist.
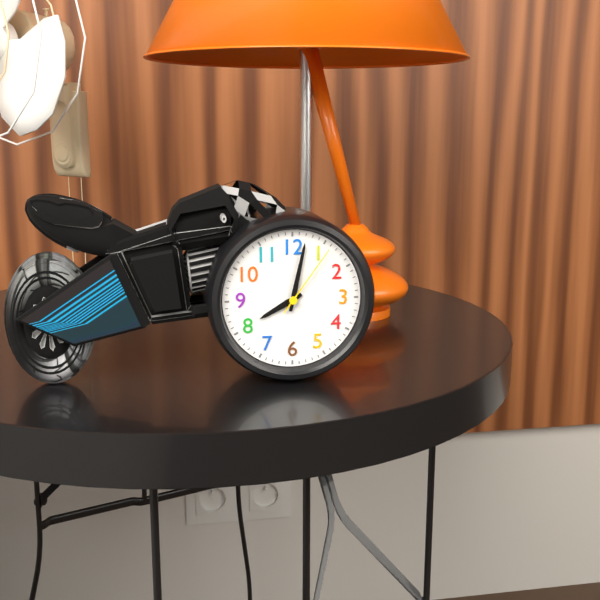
8:02:06
